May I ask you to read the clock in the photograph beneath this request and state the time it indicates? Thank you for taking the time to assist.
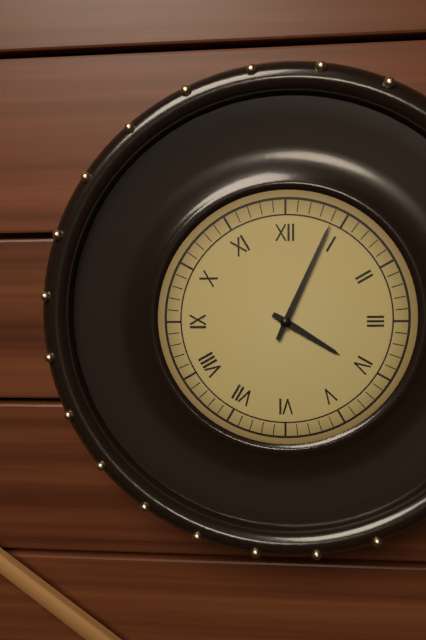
4:04
